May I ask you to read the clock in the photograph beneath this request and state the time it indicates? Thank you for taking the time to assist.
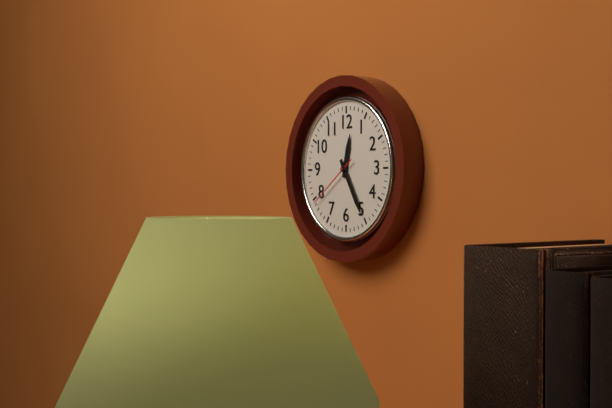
12:25:39
